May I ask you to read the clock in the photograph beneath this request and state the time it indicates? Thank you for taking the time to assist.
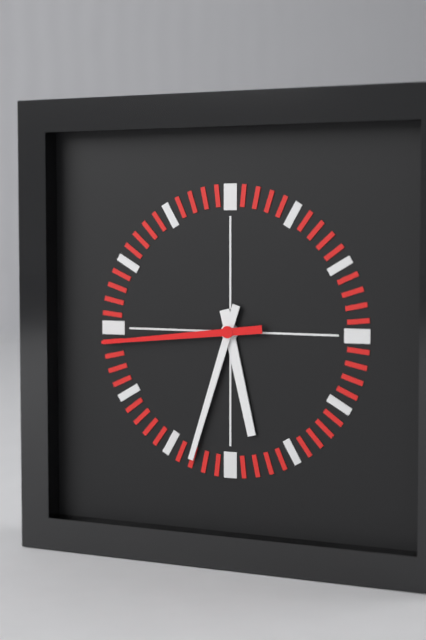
5:33:44
